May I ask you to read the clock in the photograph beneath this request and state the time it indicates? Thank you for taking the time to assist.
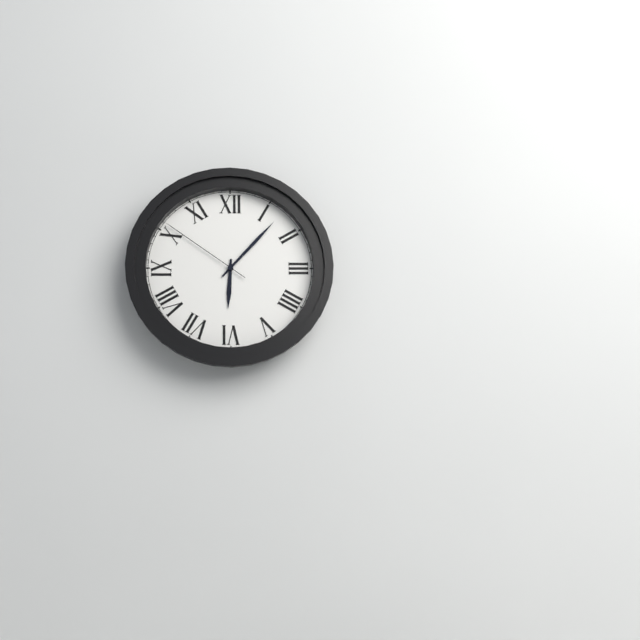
6:07:51
